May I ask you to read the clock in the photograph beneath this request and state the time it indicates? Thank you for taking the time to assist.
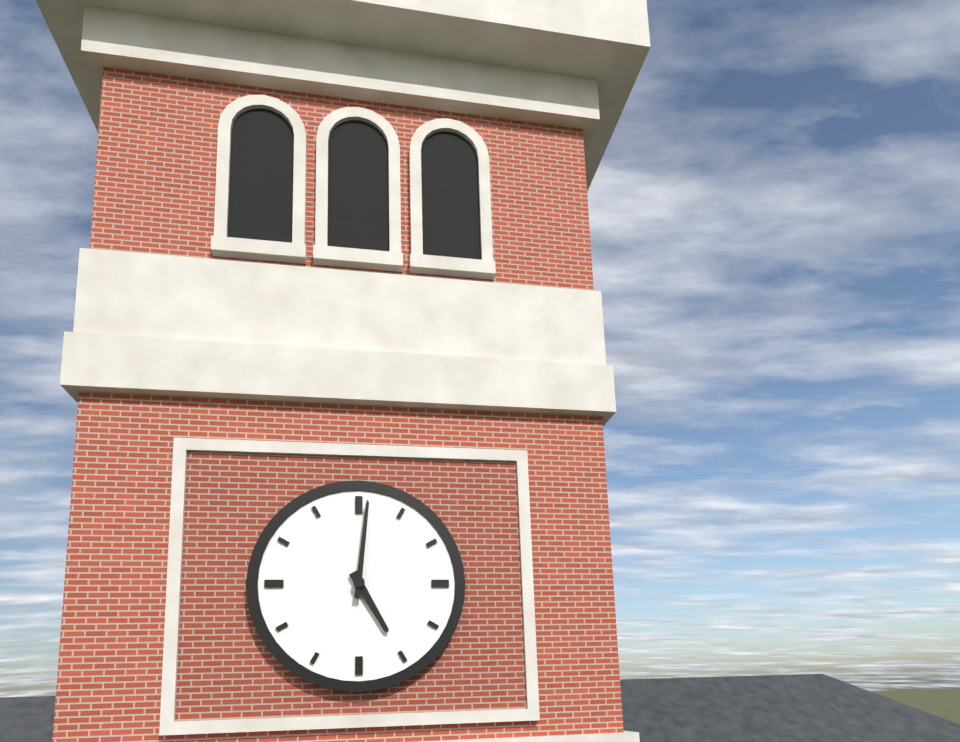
5:01
